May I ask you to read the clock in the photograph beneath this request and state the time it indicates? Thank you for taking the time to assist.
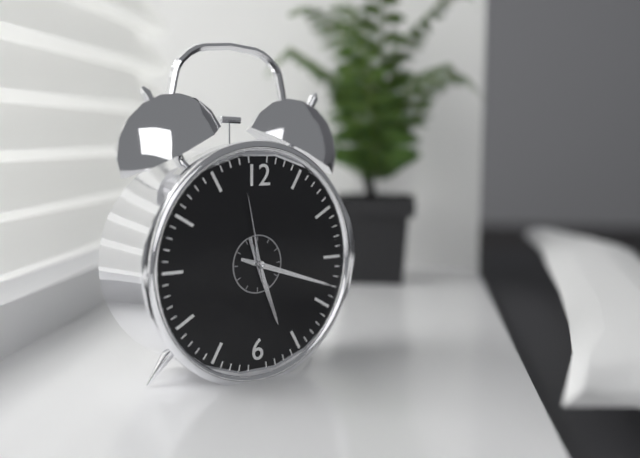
5:18:58
